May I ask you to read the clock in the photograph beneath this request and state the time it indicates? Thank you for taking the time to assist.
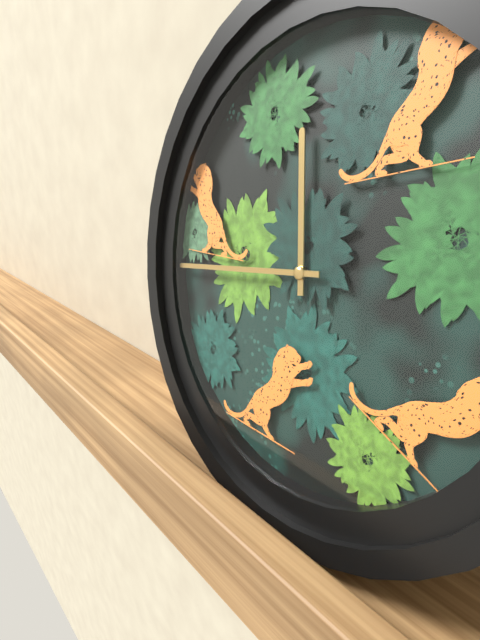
11:44
